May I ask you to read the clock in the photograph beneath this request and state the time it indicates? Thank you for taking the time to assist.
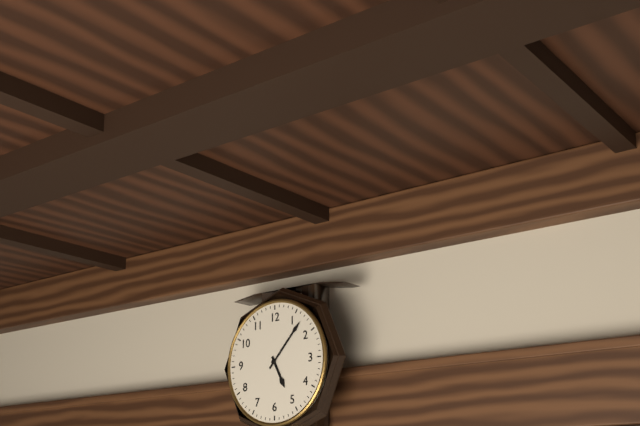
5:07
